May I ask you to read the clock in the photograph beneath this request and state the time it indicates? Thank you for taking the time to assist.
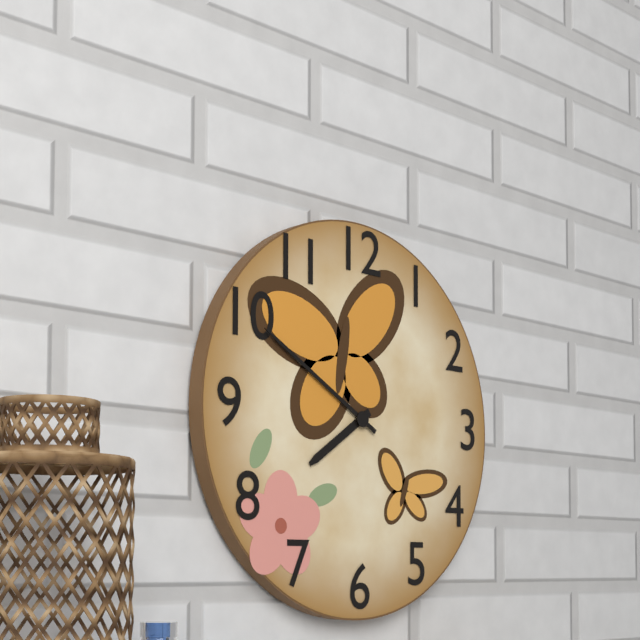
7:50
